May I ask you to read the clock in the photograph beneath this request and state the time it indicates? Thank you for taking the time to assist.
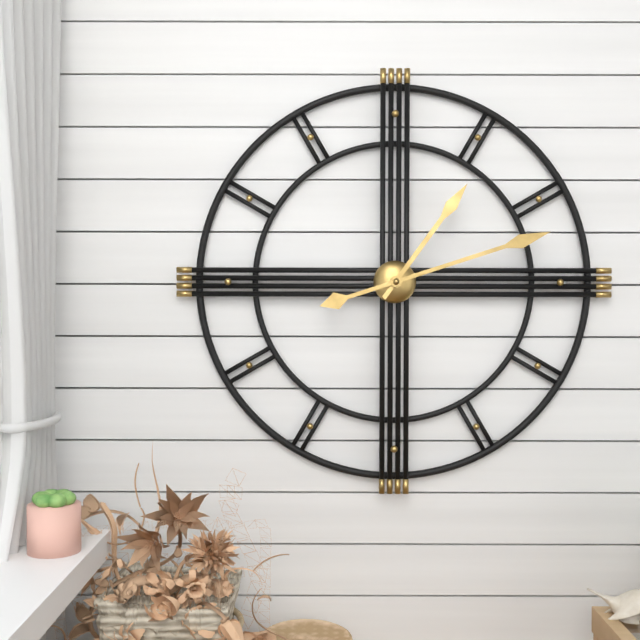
1:12
